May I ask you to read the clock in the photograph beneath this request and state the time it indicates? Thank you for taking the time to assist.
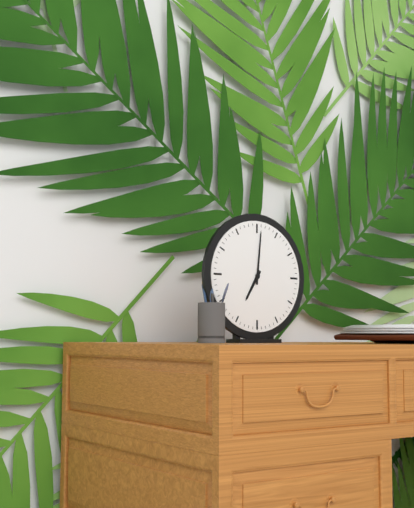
7:01
